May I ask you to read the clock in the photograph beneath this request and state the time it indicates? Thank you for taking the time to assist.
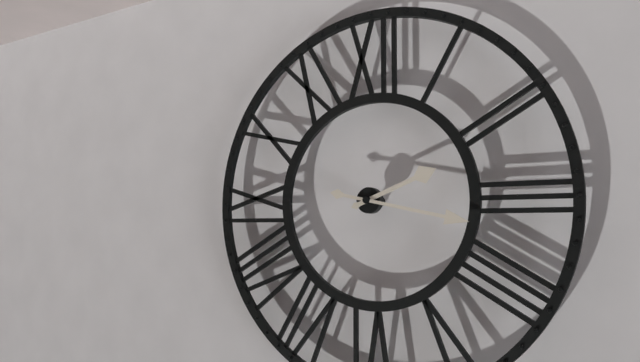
2:17
